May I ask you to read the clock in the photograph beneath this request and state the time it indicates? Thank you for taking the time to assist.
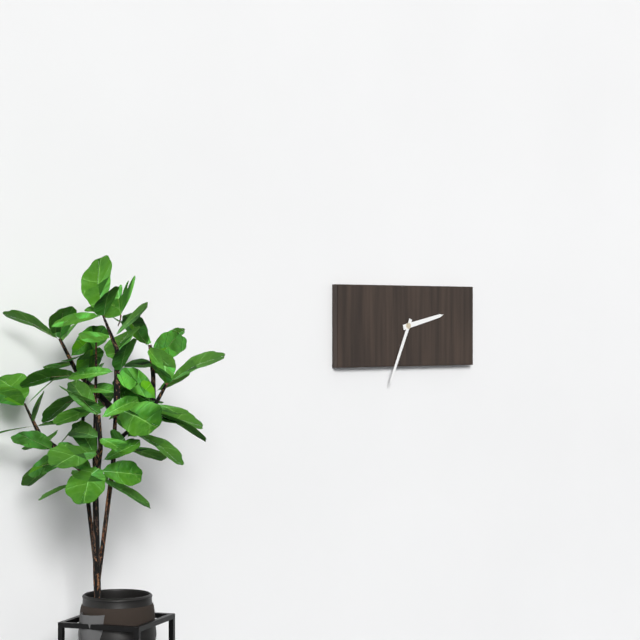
2:34
